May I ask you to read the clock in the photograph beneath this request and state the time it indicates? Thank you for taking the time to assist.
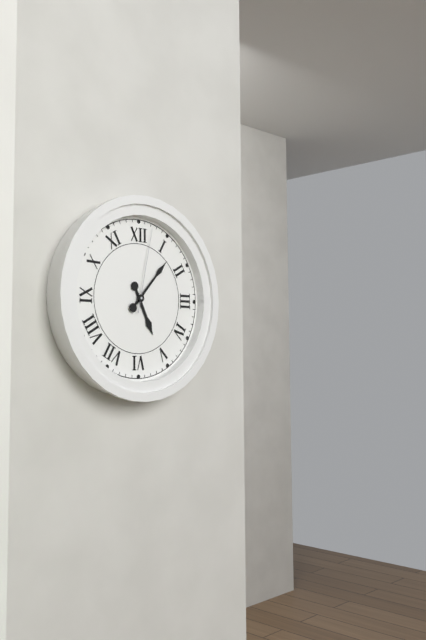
5:07:02
